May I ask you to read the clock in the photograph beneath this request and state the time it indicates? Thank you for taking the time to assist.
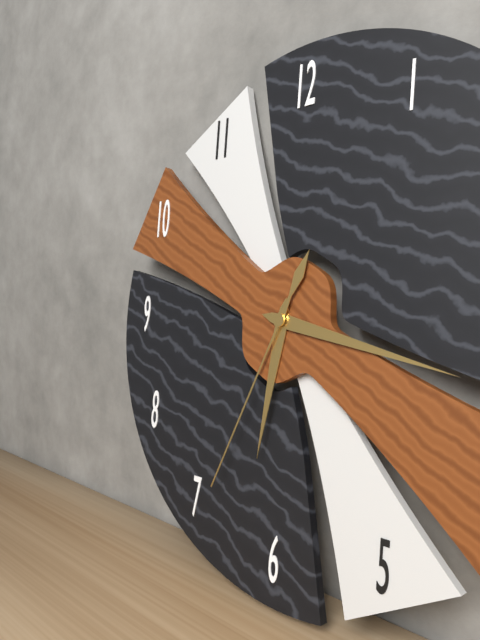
6:17:34
